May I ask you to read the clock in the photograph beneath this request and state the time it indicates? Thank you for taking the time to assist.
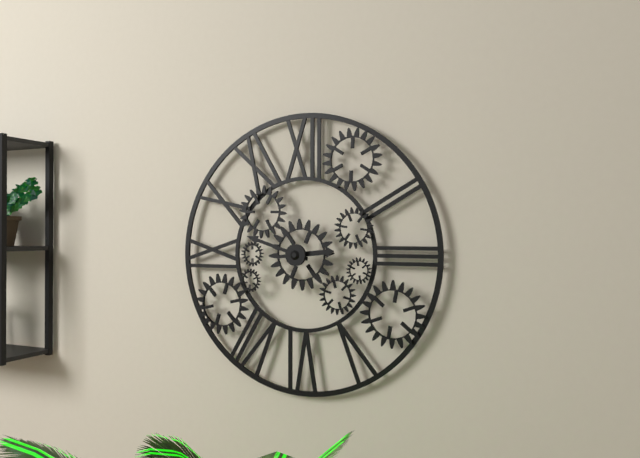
2:48
